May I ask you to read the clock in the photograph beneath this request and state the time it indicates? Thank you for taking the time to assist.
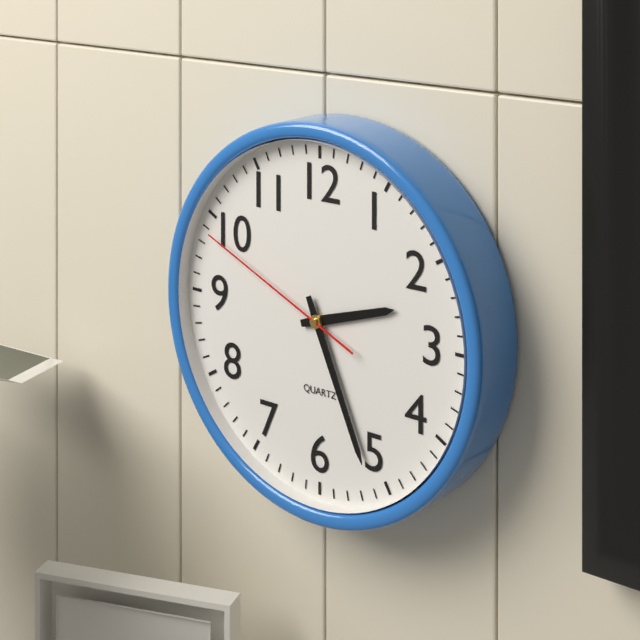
2:26:49
